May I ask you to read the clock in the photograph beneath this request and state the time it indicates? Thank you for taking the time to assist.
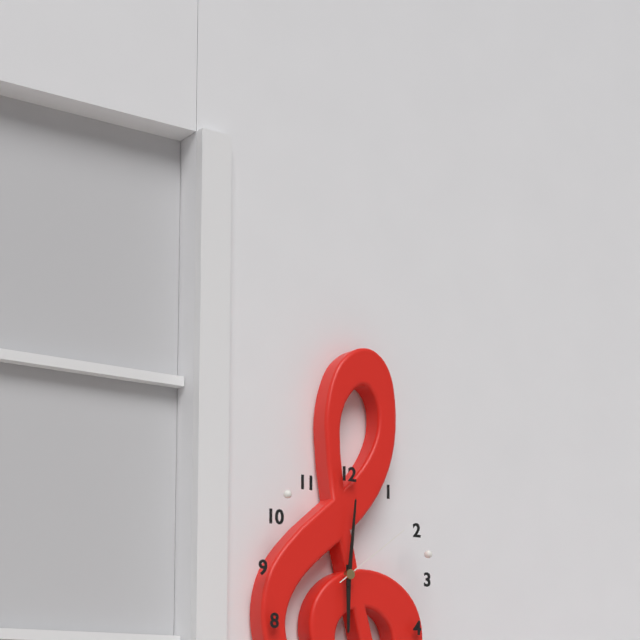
6:01:09
